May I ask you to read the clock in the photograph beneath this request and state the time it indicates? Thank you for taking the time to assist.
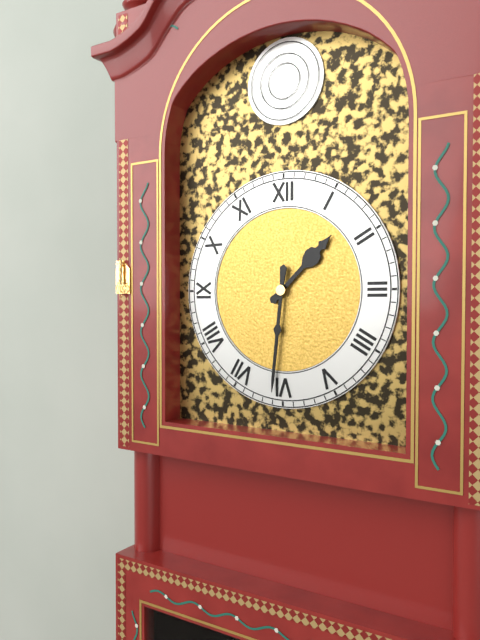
1:31
